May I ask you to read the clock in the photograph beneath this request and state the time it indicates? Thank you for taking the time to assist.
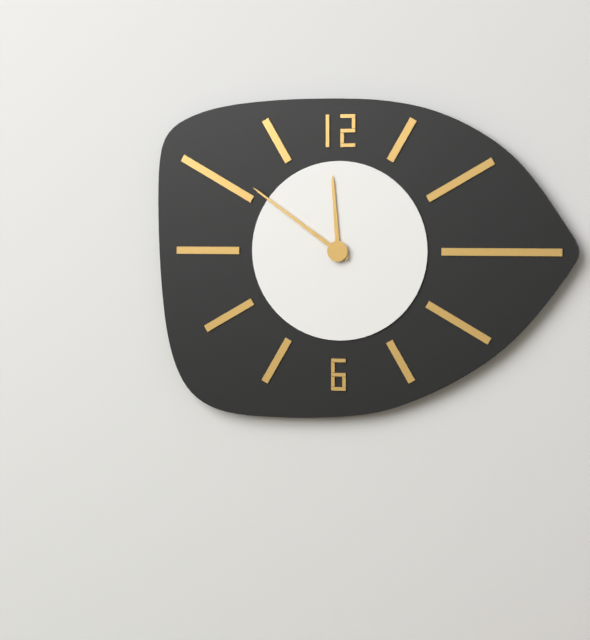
11:51
